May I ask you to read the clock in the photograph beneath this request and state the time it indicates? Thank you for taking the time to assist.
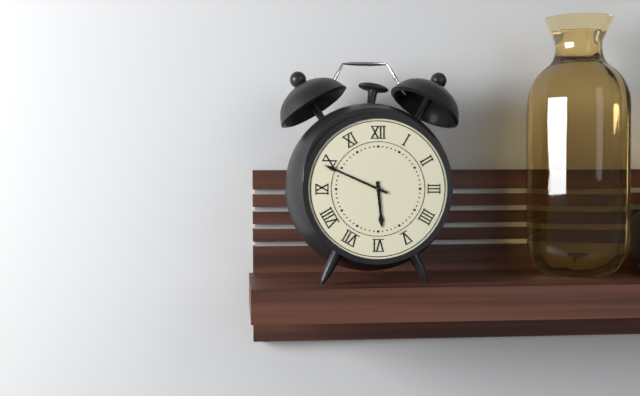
5:49
